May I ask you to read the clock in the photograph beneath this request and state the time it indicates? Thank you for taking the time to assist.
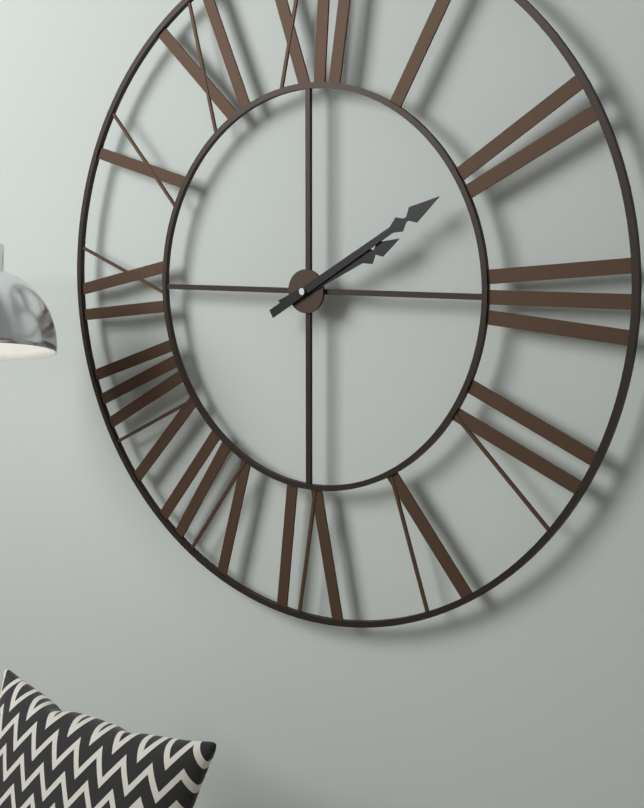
2:10
